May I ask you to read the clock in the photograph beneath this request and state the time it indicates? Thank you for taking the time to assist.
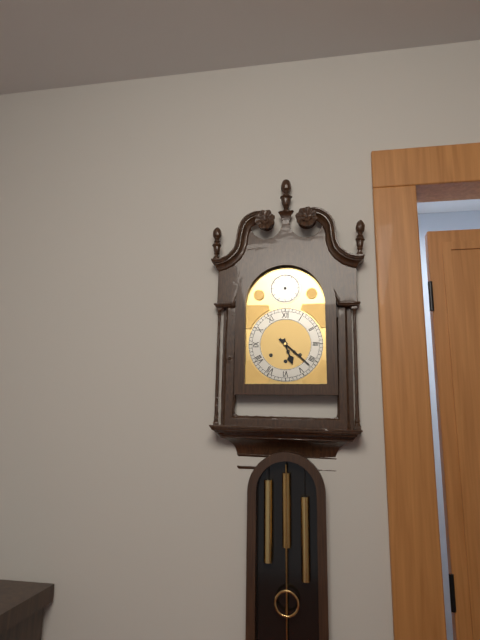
5:22
